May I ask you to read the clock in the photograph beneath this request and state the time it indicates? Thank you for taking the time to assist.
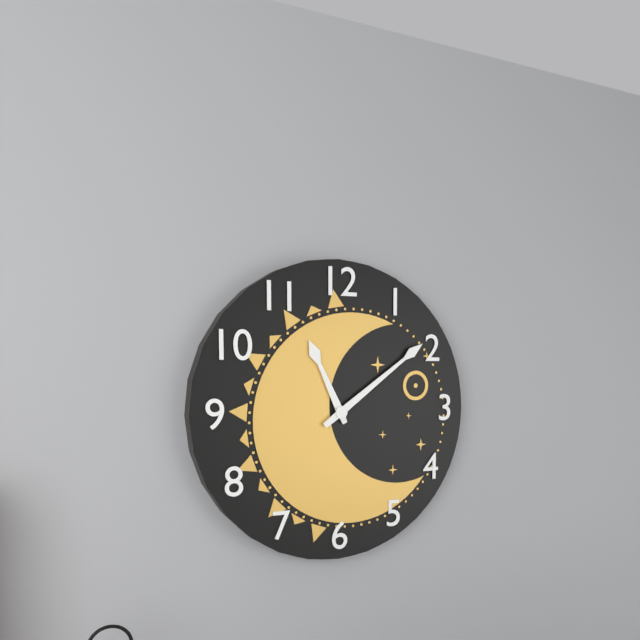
11:09
